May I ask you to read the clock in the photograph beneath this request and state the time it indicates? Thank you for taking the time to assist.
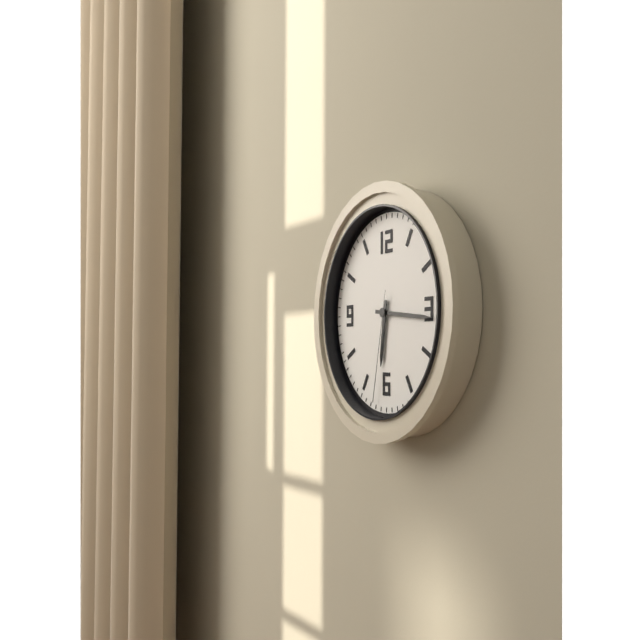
6:16:32
